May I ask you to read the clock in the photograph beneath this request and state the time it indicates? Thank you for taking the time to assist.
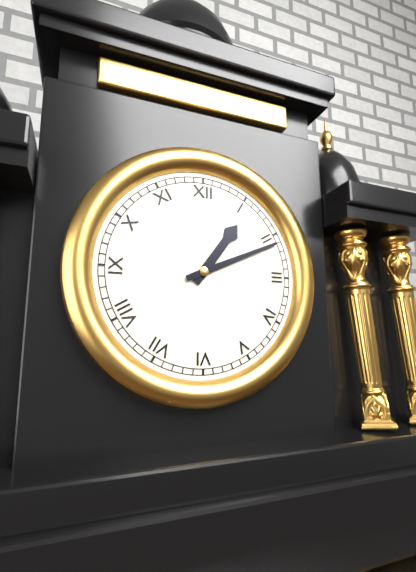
1:11
